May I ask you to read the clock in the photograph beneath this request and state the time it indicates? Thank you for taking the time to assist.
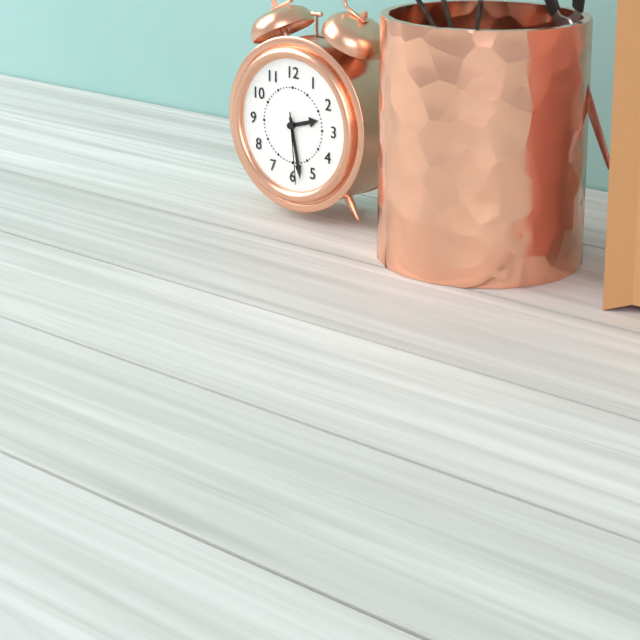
2:28:29
